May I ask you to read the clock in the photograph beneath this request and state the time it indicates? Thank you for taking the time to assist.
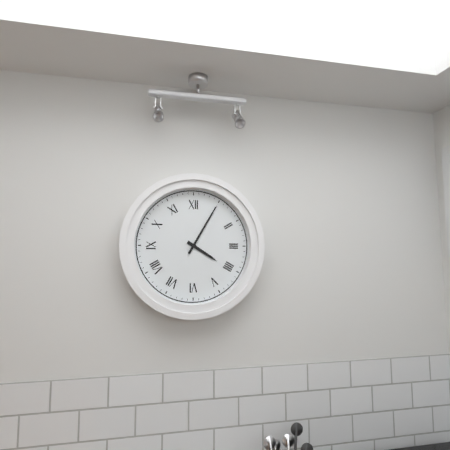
4:05
